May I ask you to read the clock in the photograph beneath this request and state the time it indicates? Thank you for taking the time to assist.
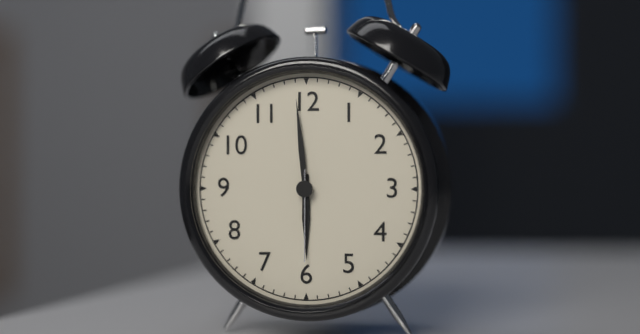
5:59:30
